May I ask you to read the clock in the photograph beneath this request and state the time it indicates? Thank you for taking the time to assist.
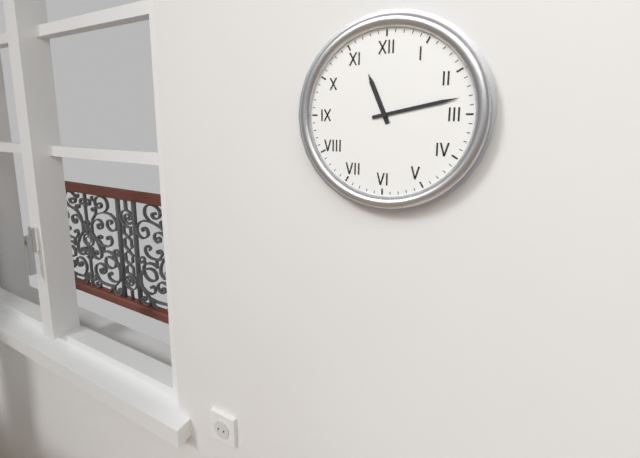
11:13
